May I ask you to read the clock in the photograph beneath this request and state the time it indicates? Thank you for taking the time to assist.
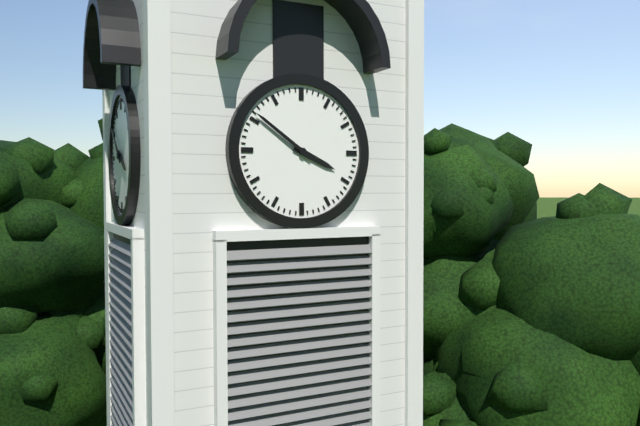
3:51
